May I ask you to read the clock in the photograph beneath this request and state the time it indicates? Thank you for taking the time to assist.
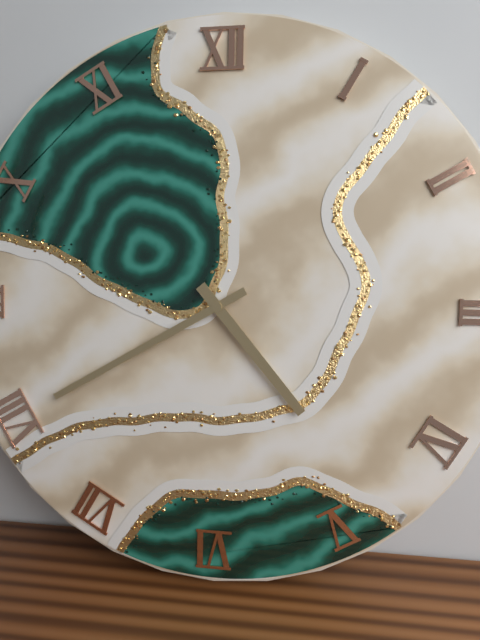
4:40
